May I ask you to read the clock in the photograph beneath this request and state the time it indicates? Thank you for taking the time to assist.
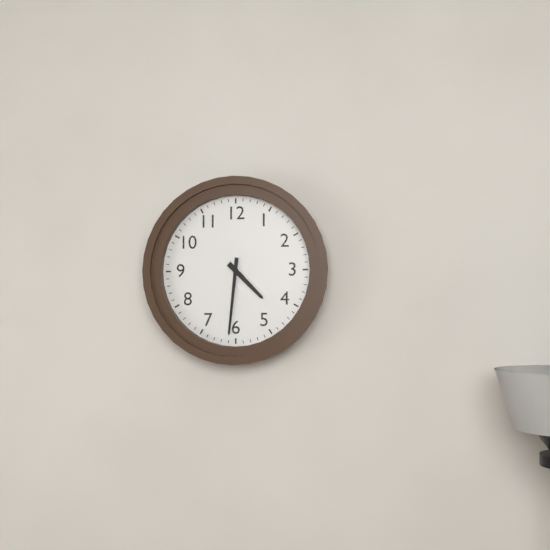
4:31
